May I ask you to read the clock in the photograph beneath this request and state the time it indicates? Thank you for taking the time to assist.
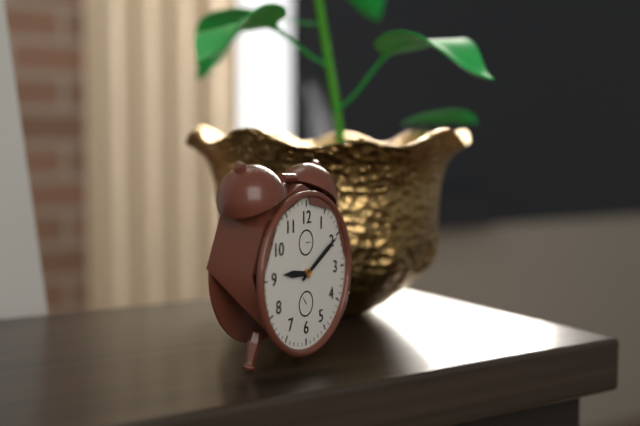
9:10
